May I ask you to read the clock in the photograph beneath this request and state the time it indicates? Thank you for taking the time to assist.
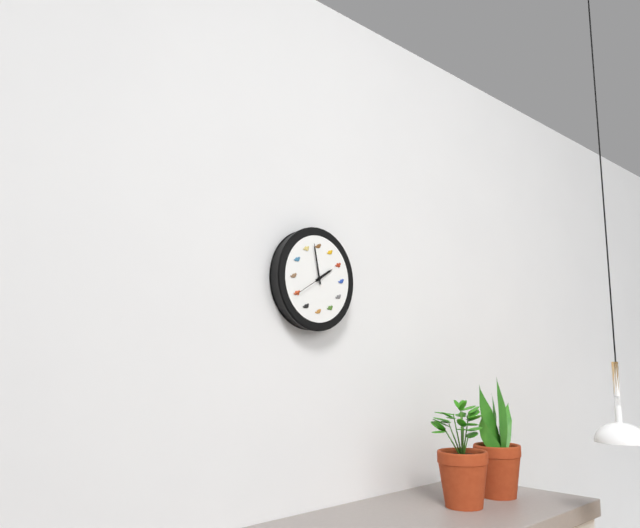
1:58
